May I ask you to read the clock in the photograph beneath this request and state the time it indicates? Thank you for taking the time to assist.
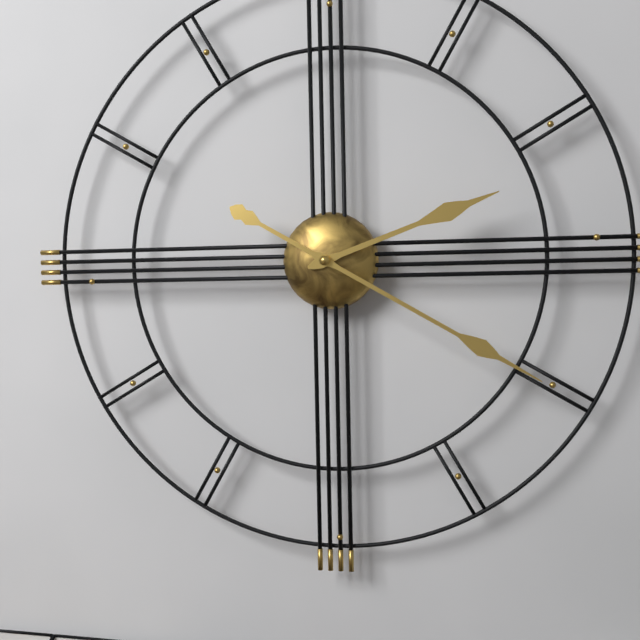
2:20
